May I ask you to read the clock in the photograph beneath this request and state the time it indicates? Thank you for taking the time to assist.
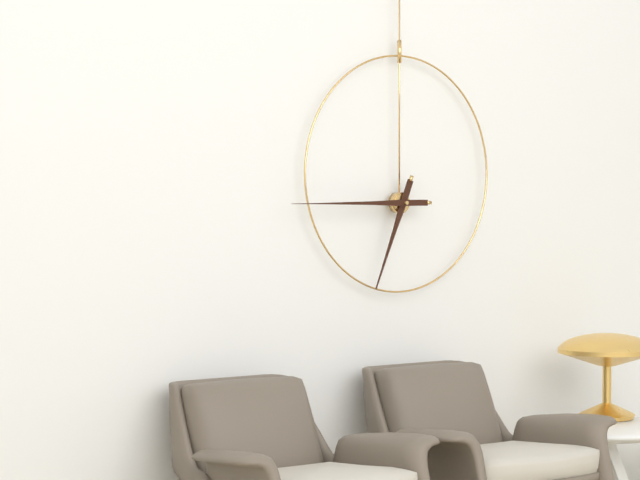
6:45
